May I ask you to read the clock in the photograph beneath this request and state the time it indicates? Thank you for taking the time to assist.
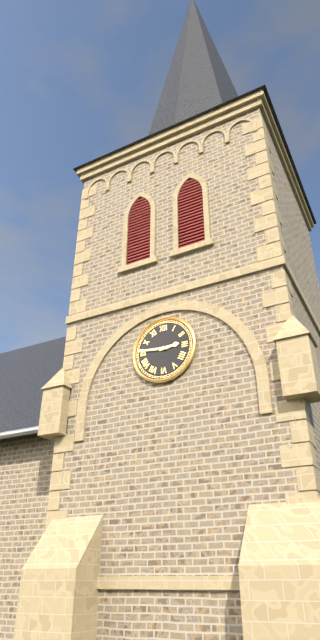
2:46
